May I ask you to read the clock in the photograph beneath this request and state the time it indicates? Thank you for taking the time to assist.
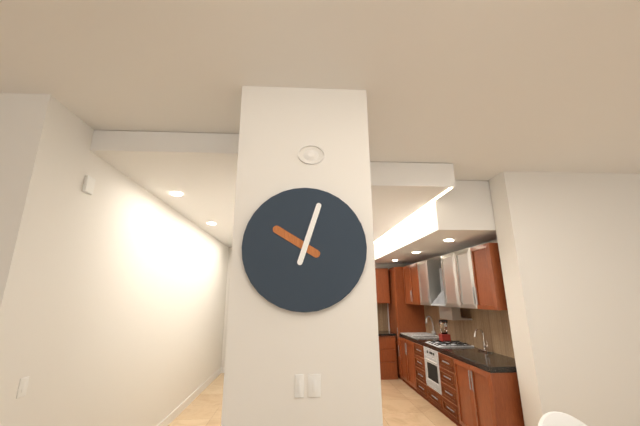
10:03
